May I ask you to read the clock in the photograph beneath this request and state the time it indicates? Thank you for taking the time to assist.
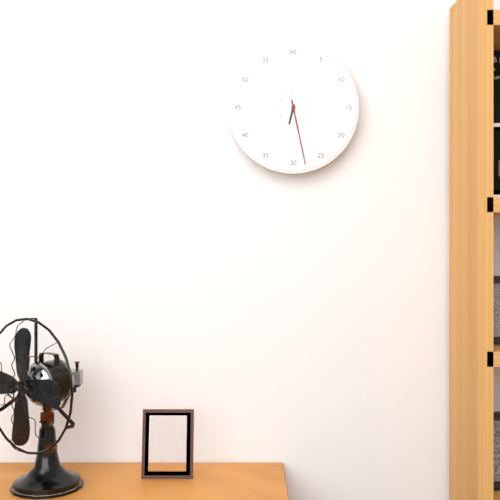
6:28
